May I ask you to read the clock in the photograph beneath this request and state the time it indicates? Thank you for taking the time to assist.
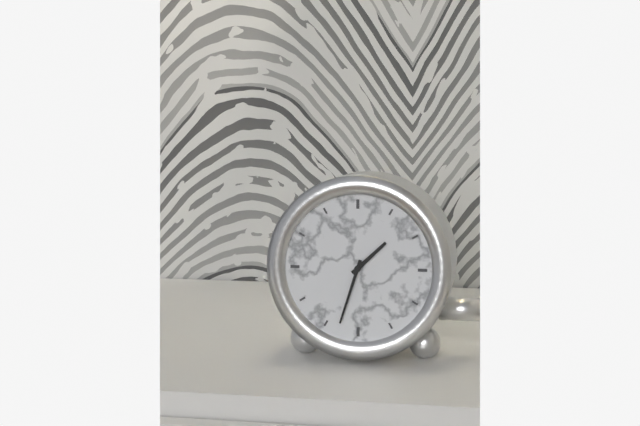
1:33
